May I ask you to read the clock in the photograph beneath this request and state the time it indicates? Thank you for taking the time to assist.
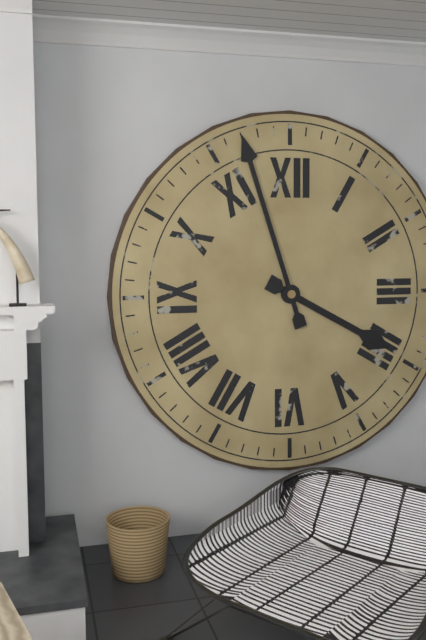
3:57
